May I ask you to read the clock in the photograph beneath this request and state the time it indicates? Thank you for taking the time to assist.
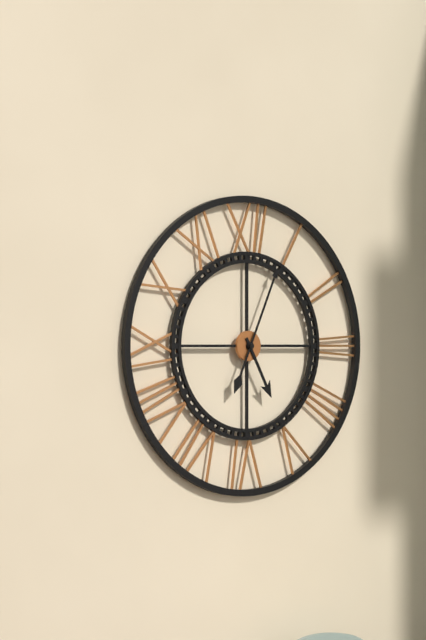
5:04
